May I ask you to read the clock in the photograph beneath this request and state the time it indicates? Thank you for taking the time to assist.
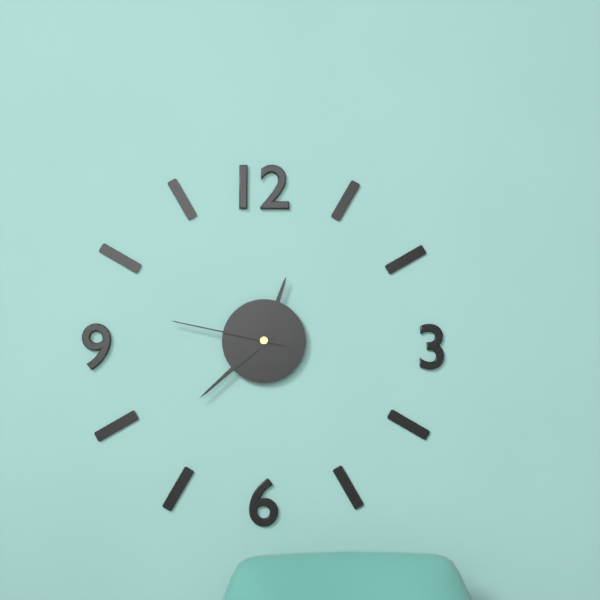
12:38:47
